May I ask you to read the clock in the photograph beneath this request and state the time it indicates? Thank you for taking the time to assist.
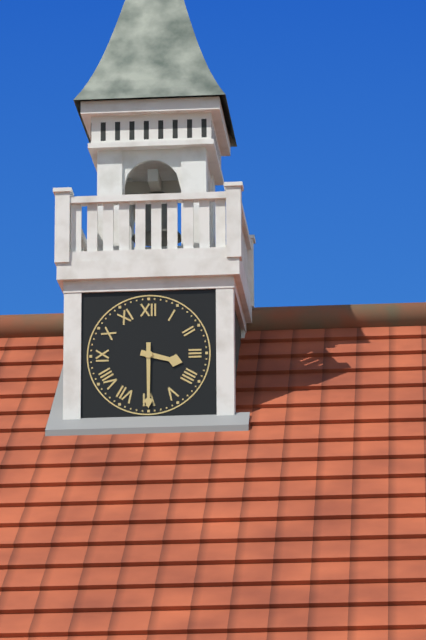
3:30
